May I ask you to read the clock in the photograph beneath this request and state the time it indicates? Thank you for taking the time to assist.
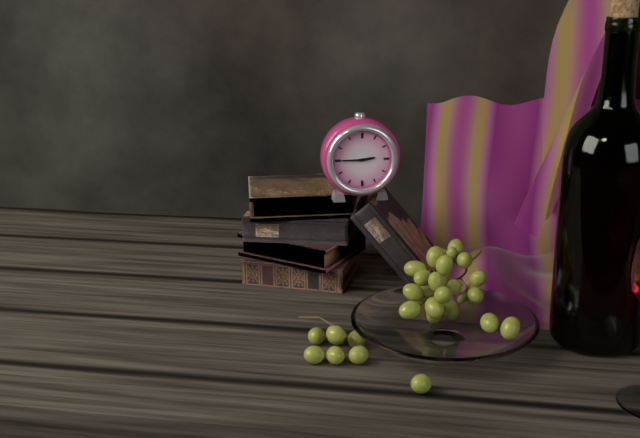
2:45
